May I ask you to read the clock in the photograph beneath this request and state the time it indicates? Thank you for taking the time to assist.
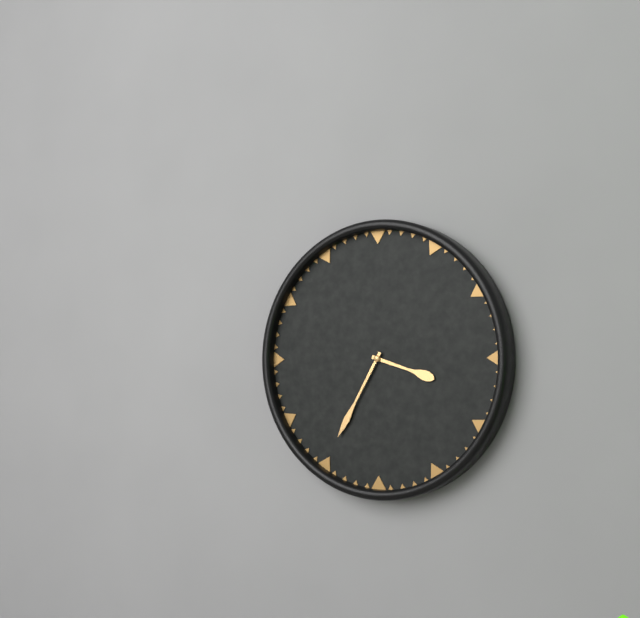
3:35
